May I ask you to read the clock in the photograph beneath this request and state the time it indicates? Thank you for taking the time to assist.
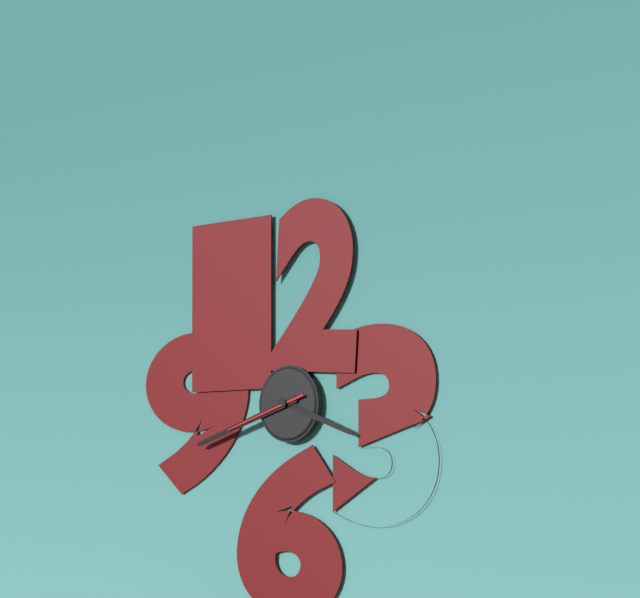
3:42:42
